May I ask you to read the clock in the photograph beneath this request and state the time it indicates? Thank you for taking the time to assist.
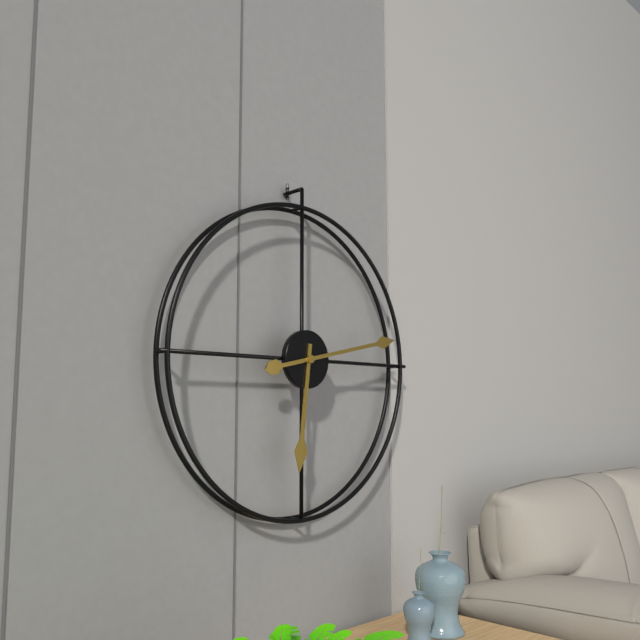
6:13
